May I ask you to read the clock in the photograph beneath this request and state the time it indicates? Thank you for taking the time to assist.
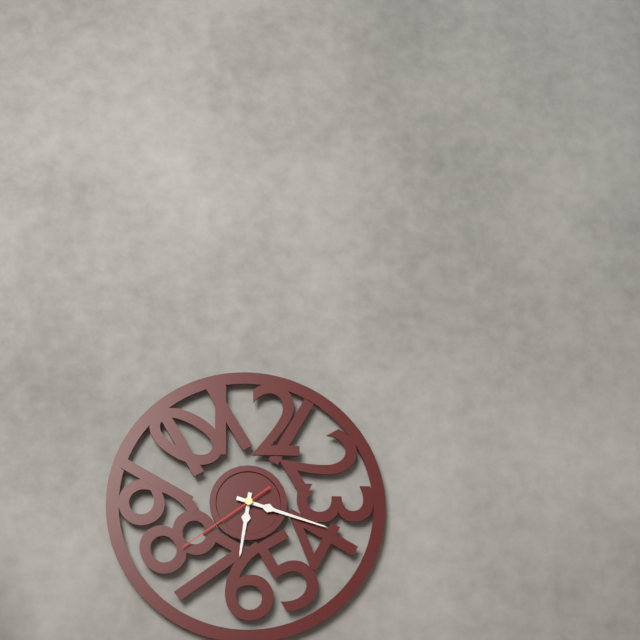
6:18:39
